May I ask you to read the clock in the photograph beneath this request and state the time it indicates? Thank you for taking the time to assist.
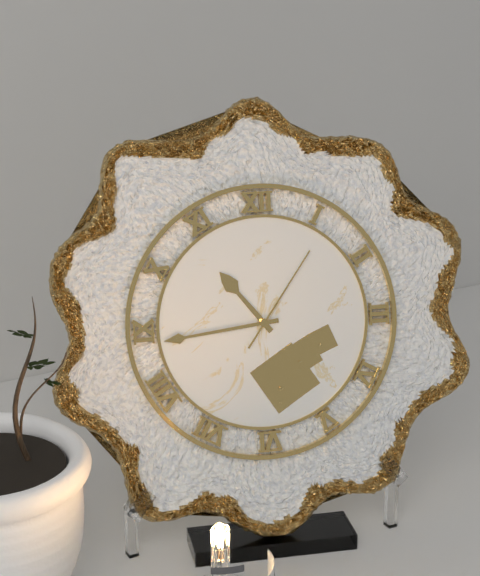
10:44:06
